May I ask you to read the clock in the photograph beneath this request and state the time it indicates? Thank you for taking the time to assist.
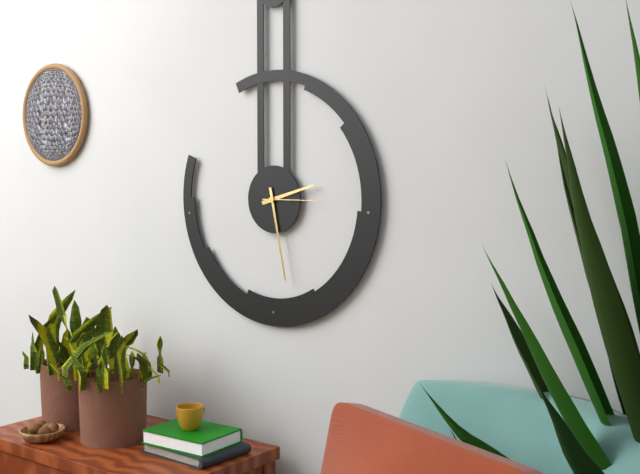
2:28:15
